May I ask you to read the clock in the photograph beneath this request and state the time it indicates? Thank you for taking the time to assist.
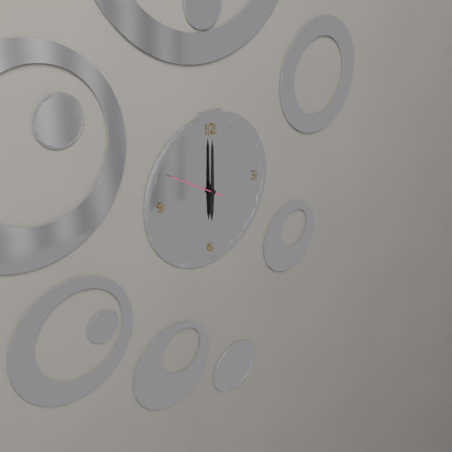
6:00:50
